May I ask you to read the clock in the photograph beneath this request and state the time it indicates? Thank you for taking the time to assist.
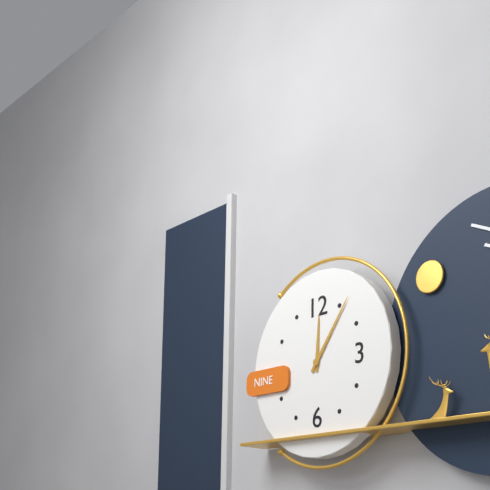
12:06
